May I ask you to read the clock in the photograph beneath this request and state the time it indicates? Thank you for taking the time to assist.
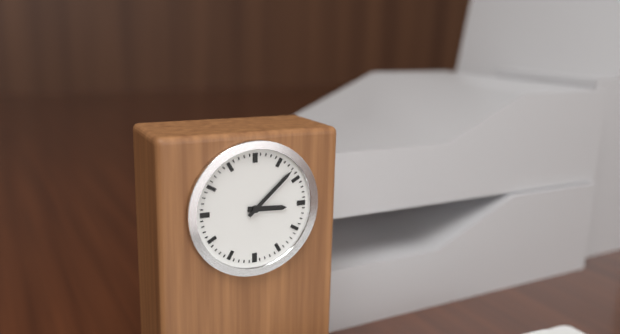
3:08
